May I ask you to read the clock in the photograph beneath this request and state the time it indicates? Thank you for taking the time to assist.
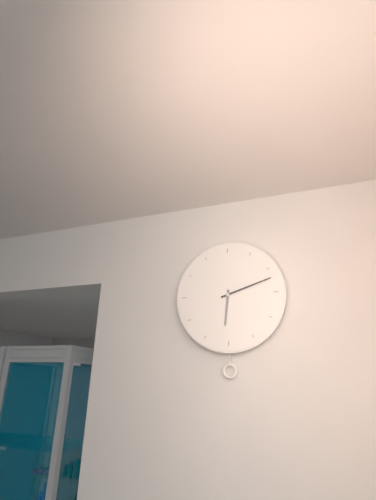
6:12
